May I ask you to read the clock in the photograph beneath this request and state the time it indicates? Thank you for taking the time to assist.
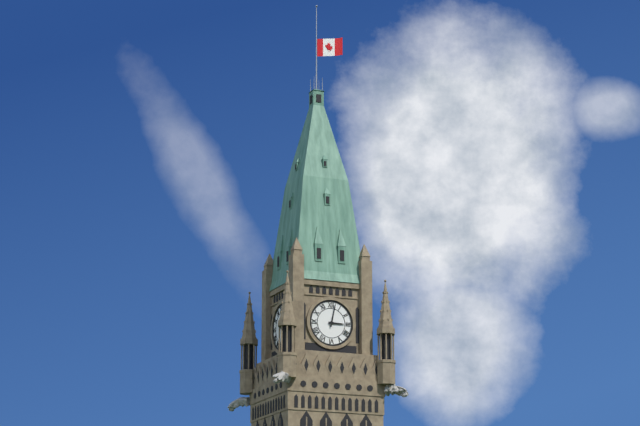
3:02
